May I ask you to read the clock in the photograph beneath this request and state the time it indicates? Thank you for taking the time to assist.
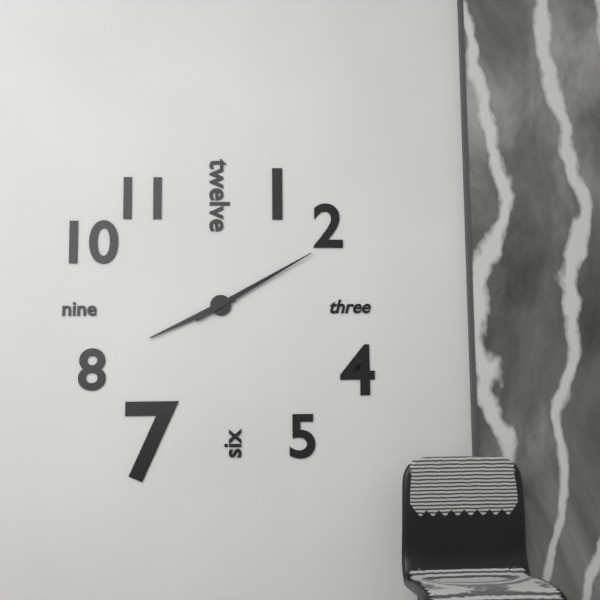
8:10
